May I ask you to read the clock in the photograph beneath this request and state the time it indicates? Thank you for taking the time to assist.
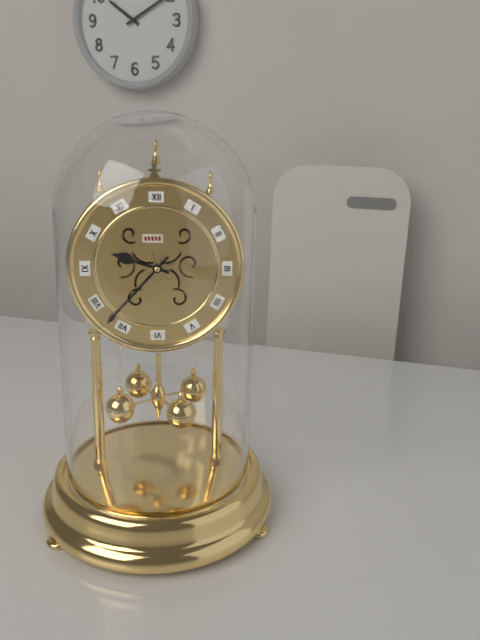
9:37
